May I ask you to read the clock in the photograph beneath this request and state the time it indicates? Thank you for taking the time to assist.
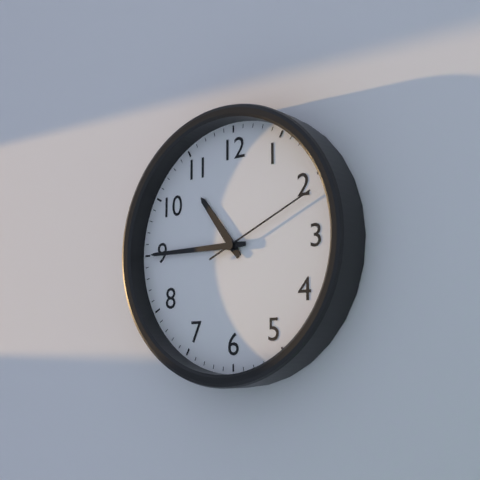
10:45:11
